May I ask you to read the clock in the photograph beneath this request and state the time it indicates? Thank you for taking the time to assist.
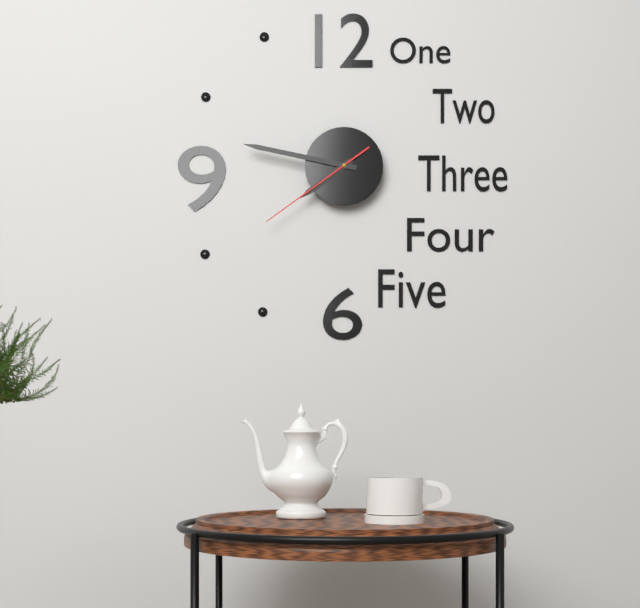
7:47:39
